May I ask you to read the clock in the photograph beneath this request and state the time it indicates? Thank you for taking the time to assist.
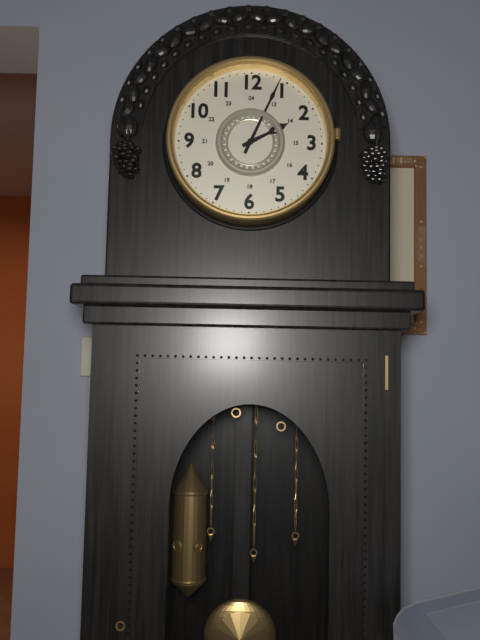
2:04
